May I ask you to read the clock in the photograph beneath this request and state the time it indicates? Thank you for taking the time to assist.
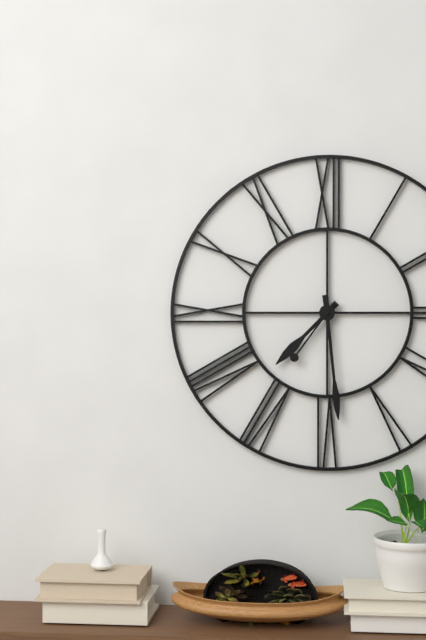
7:29:36
